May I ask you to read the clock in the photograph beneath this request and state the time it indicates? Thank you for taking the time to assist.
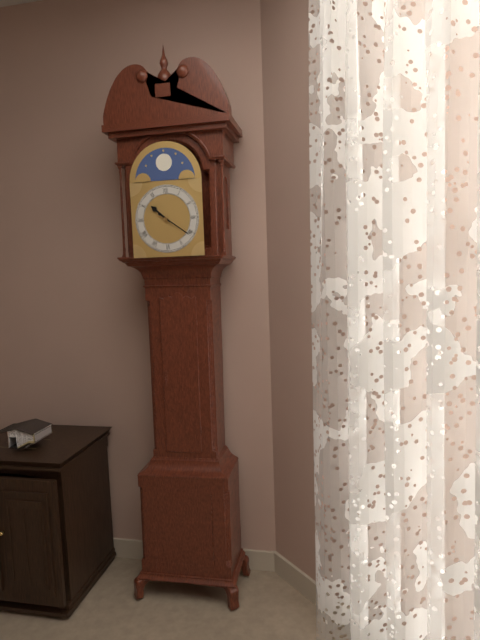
10:21
